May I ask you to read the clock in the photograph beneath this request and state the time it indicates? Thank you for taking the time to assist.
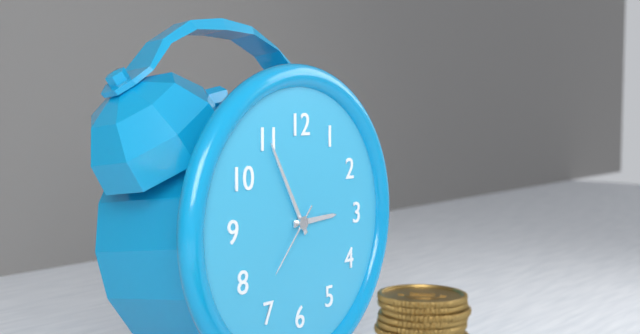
2:55:37
